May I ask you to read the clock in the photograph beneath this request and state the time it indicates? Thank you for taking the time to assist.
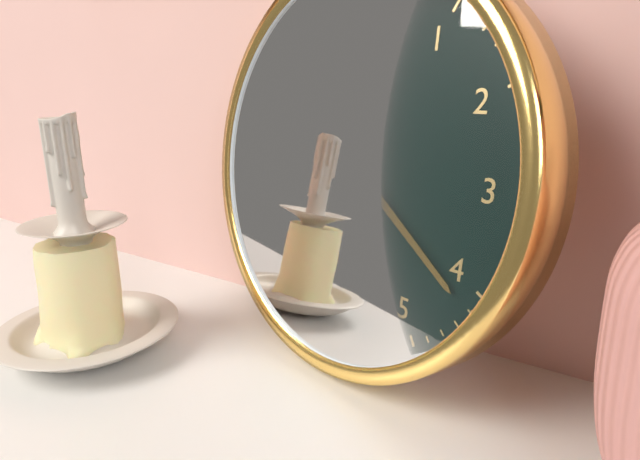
12:21
